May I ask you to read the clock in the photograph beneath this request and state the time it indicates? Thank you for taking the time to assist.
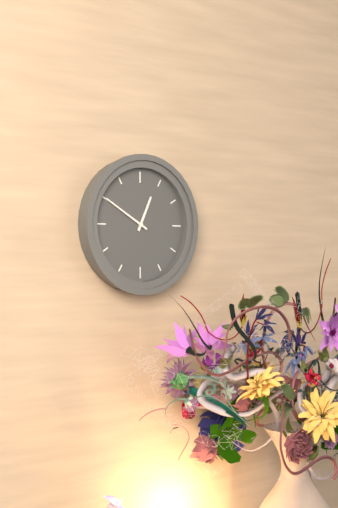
12:50
